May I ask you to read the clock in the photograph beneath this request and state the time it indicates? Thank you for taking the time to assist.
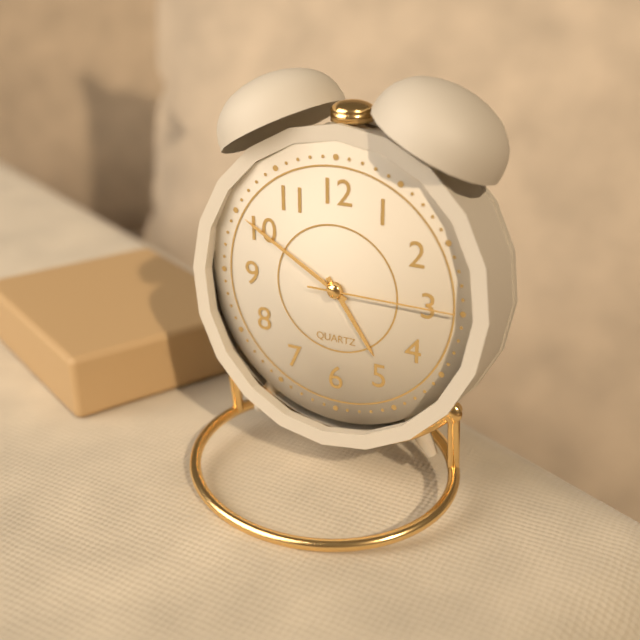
4:50:15
